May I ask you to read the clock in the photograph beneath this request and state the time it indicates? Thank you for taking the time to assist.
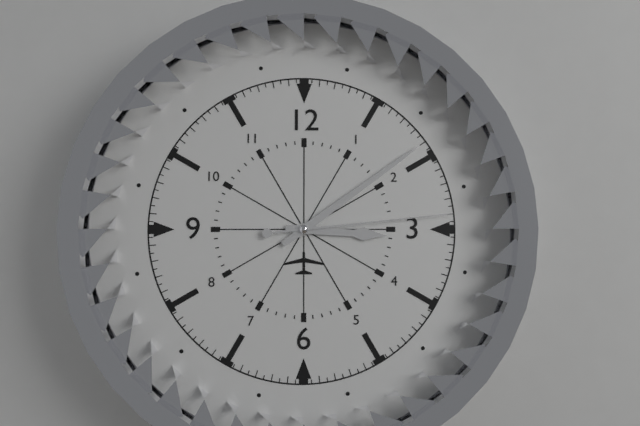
3:09:14
